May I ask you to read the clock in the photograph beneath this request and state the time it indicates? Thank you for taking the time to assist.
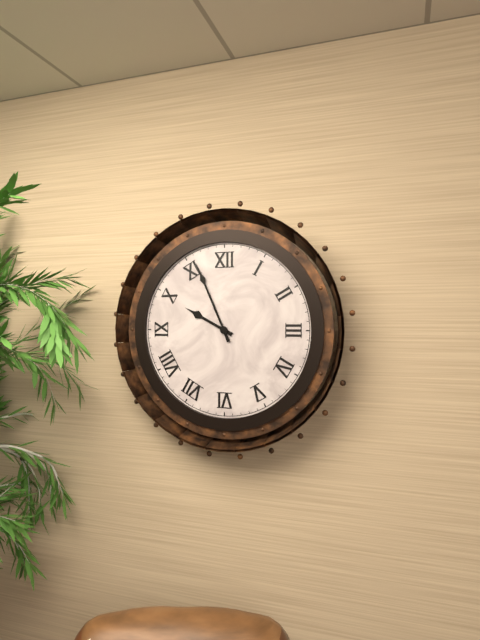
9:56
